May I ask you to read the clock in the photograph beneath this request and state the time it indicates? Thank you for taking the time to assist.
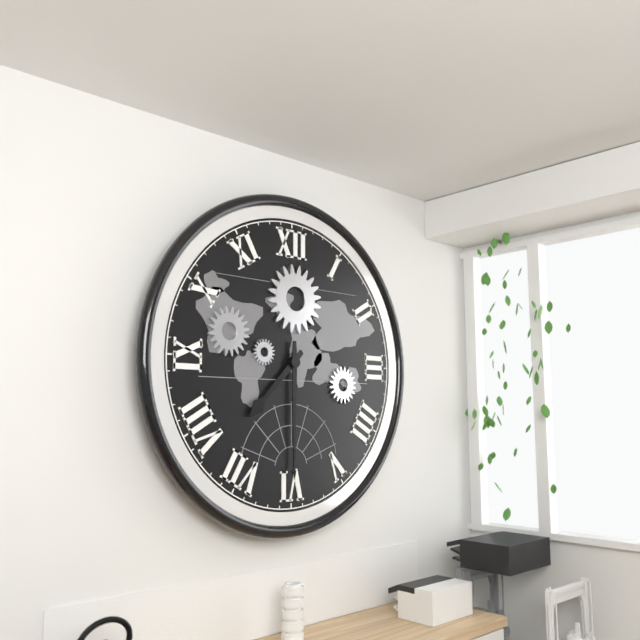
7:30
